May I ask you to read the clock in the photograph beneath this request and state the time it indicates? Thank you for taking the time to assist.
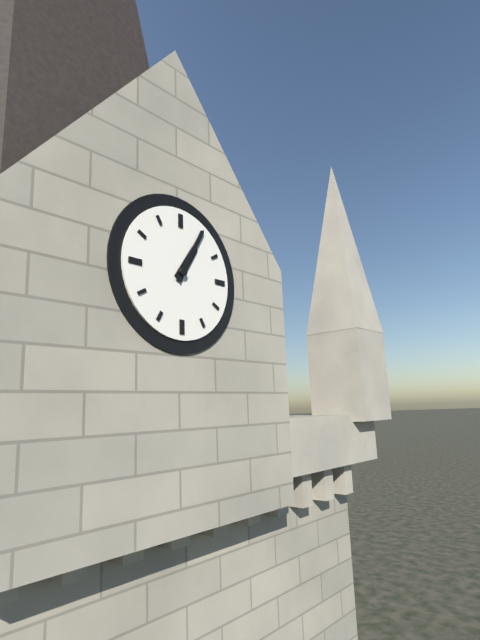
1:05
